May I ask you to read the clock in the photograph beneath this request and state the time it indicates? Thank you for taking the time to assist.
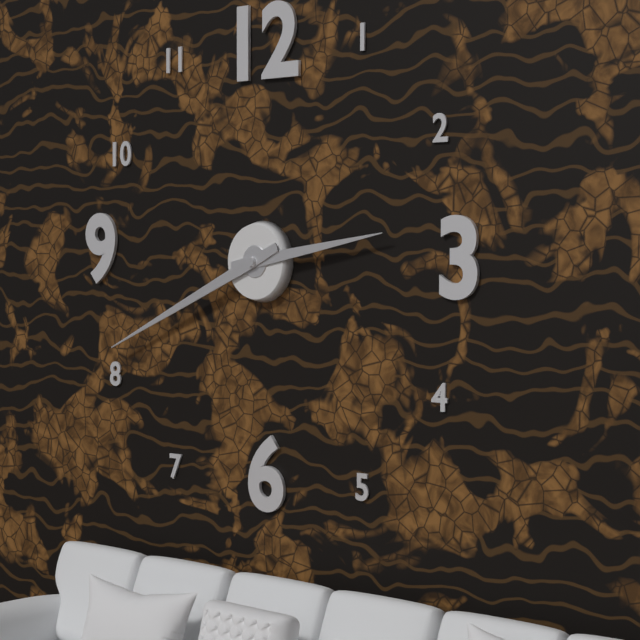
2:41
